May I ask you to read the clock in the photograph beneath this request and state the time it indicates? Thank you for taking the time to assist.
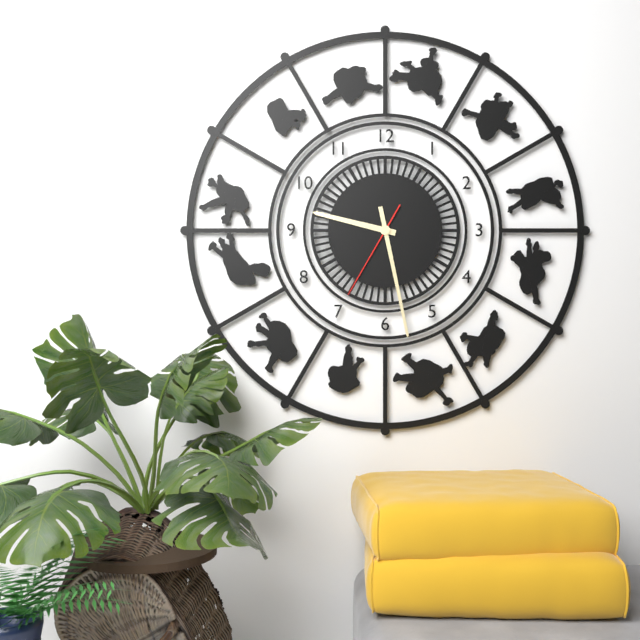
9:28:35
